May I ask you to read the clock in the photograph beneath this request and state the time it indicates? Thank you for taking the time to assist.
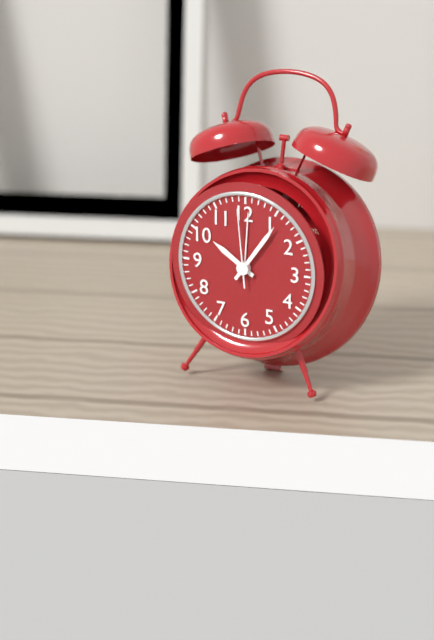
10:06:59
